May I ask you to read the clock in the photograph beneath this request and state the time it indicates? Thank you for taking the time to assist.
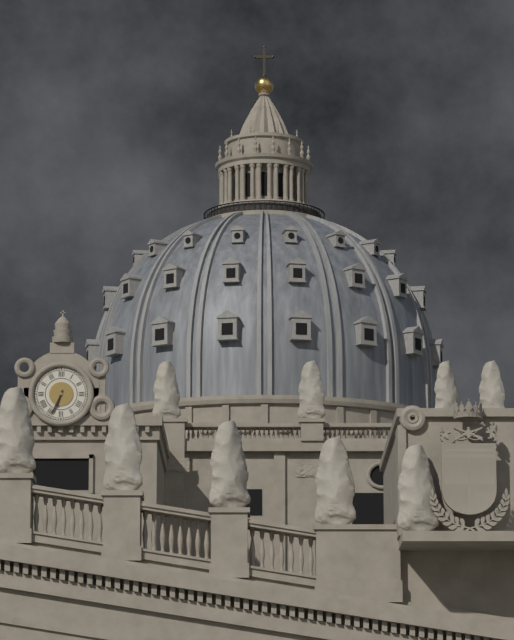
6:34
